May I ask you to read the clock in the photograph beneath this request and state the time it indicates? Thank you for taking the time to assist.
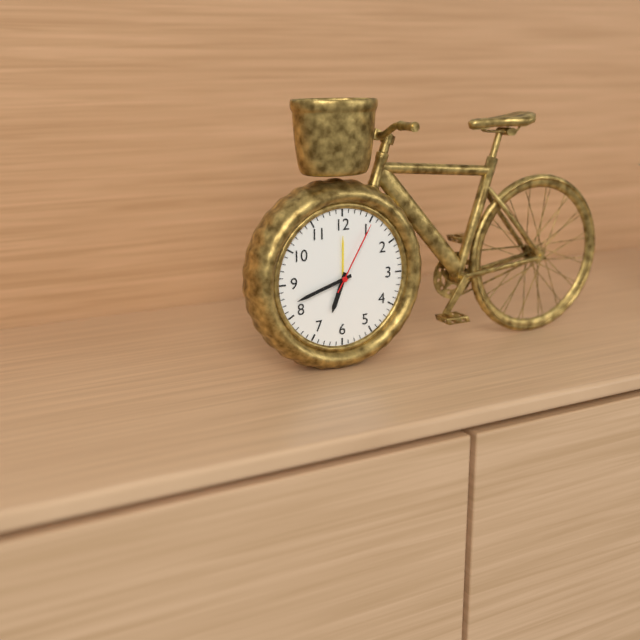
6:42:05
